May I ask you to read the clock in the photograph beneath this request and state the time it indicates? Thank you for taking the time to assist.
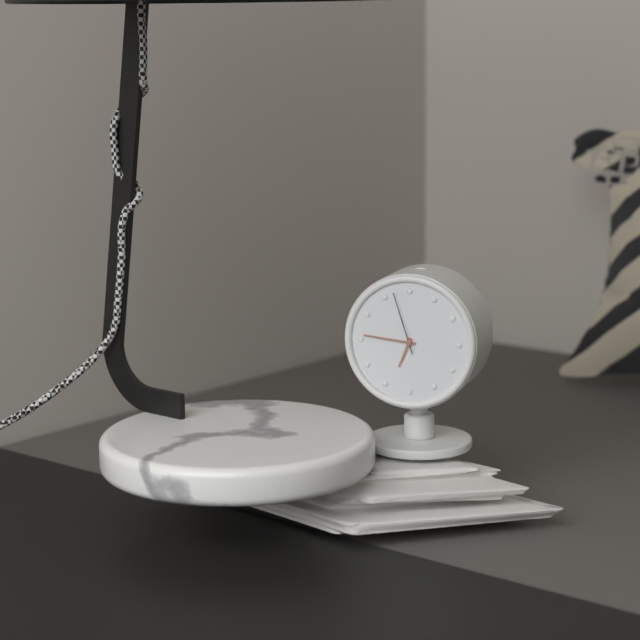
6:46:57
